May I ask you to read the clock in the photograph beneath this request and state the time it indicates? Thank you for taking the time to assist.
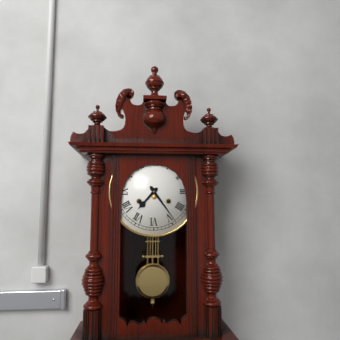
7:24
